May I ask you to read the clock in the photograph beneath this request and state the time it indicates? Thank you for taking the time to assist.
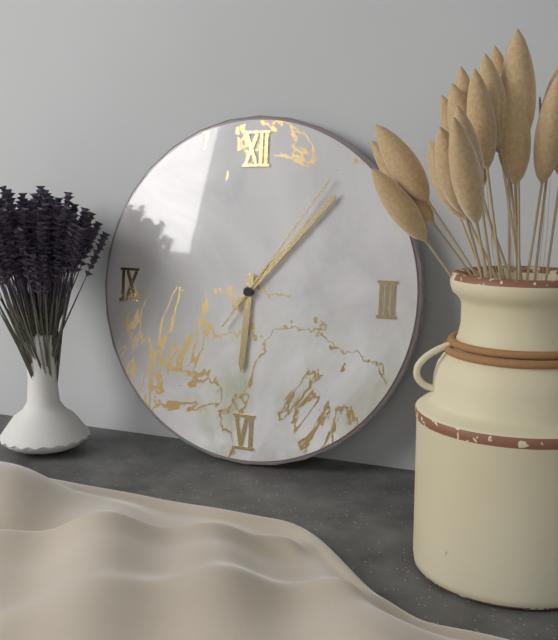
6:07:06
